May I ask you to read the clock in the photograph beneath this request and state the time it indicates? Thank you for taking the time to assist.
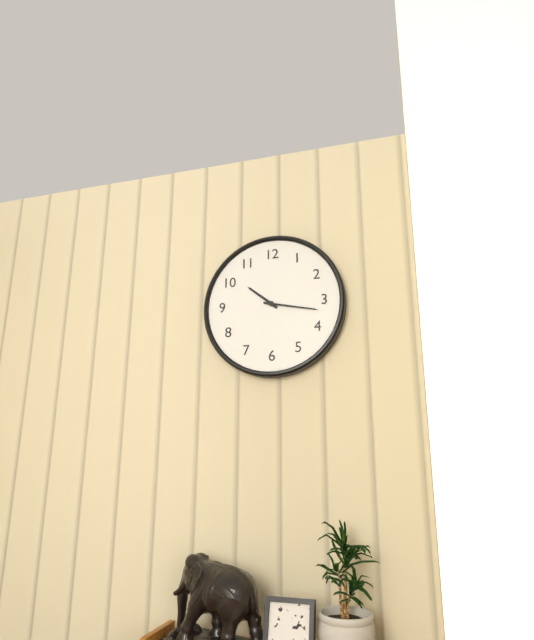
10:17
